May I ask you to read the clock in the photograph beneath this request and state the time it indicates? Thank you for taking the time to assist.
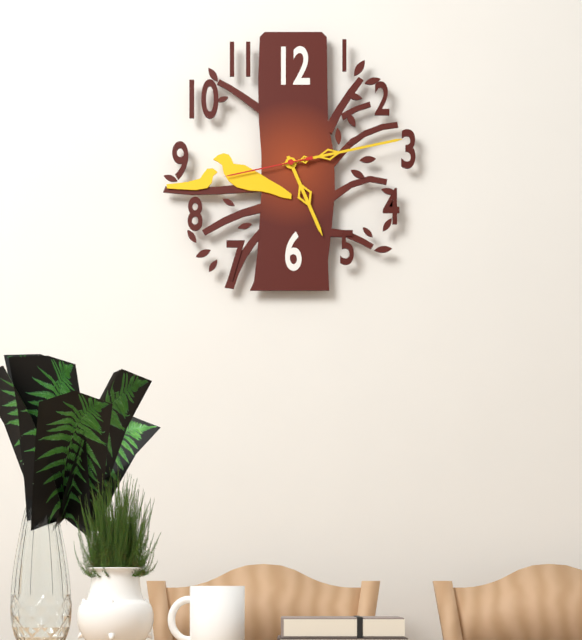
5:13:43
